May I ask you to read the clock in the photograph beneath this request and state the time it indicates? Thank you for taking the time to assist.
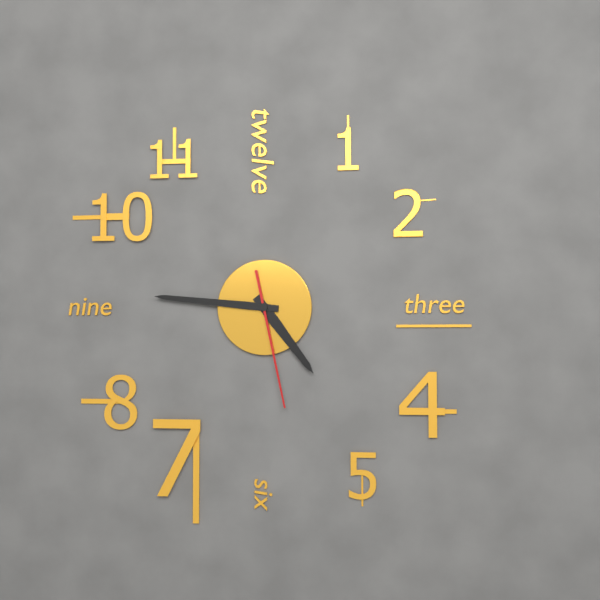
4:46:28
